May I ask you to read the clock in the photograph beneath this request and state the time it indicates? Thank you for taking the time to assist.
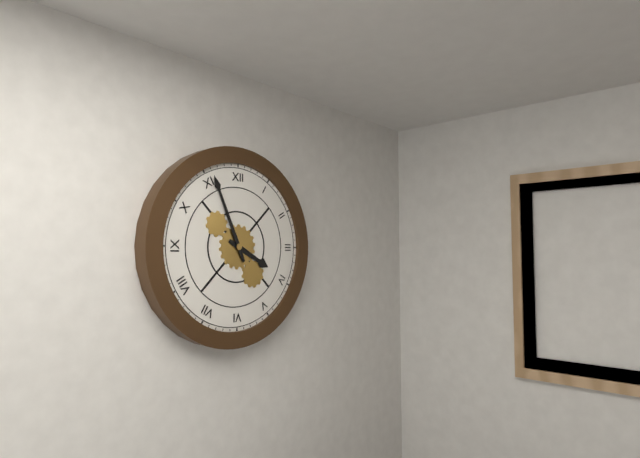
3:56
